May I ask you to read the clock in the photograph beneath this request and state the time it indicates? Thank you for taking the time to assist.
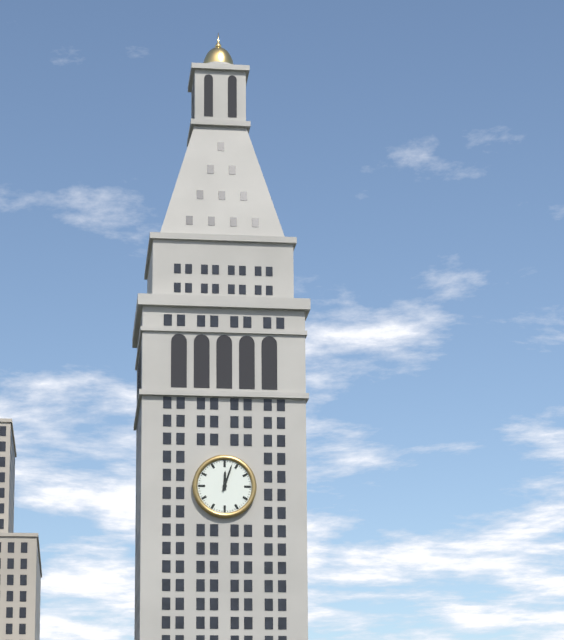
12:03
